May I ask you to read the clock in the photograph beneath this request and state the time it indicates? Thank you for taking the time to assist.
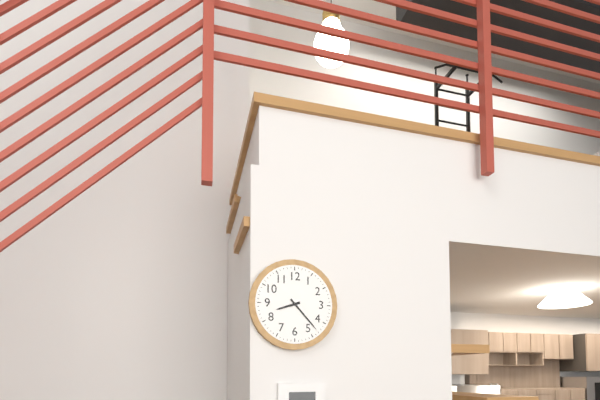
8:23
